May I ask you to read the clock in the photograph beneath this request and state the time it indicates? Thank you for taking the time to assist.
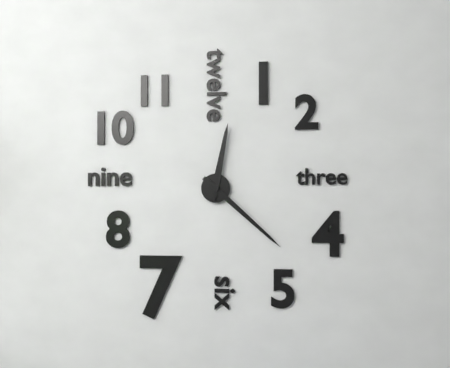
12:22
